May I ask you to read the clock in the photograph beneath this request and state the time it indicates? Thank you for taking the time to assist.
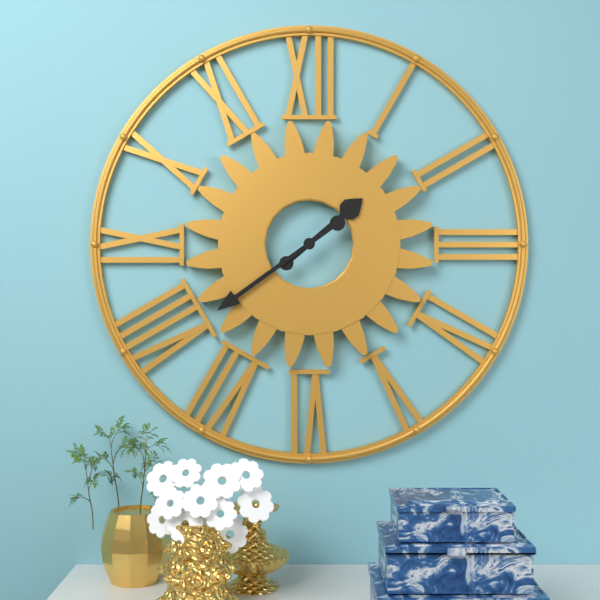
1:39
